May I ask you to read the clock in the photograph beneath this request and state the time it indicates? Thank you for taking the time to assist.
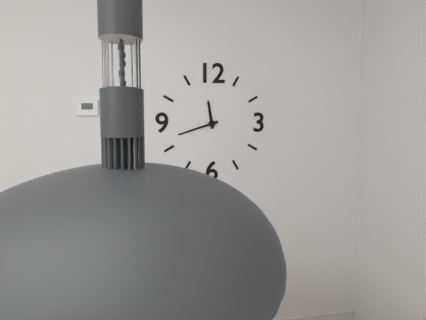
11:42
